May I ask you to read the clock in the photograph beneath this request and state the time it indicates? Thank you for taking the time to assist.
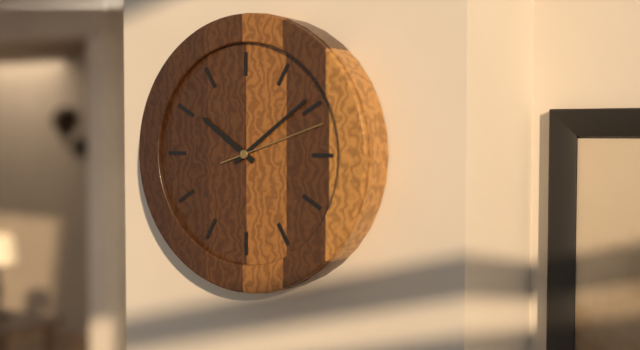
10:09:12
